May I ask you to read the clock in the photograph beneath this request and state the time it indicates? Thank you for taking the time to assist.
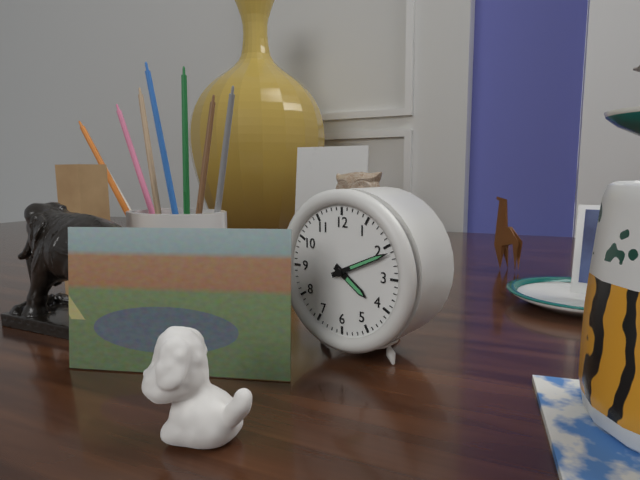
4:11
